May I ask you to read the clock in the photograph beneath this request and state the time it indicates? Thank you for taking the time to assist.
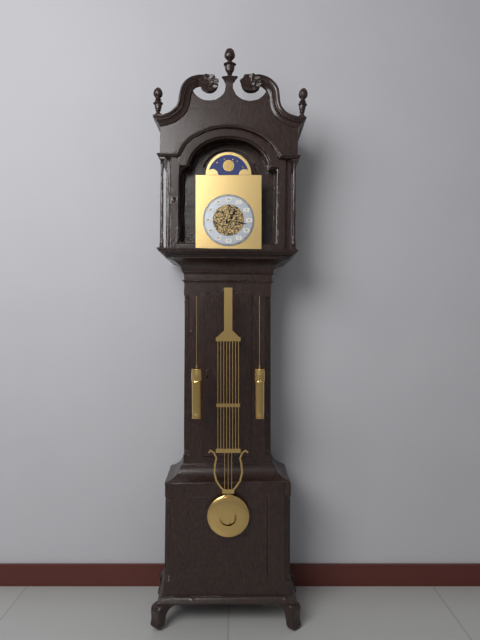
1:17
